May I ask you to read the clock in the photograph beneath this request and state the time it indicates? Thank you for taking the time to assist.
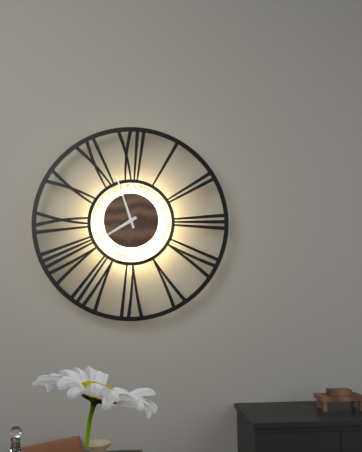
7:57
